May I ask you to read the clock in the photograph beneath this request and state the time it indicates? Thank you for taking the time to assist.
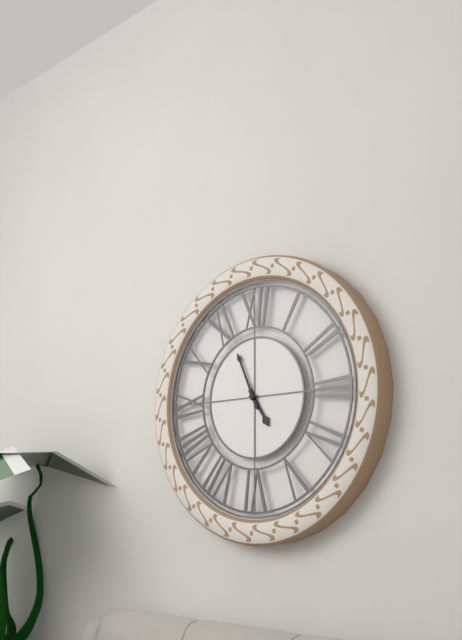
4:56
